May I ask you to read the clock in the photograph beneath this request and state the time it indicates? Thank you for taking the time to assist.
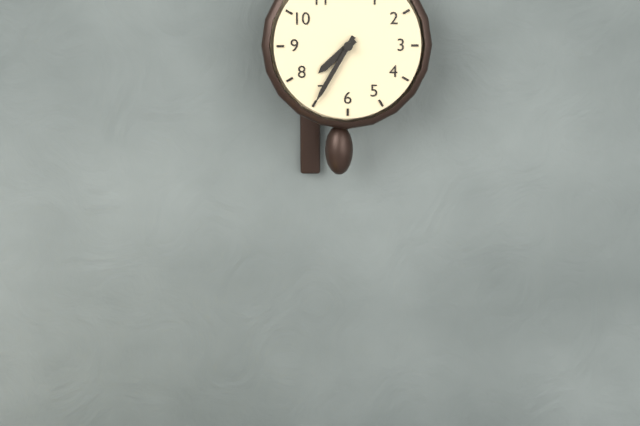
7:35
